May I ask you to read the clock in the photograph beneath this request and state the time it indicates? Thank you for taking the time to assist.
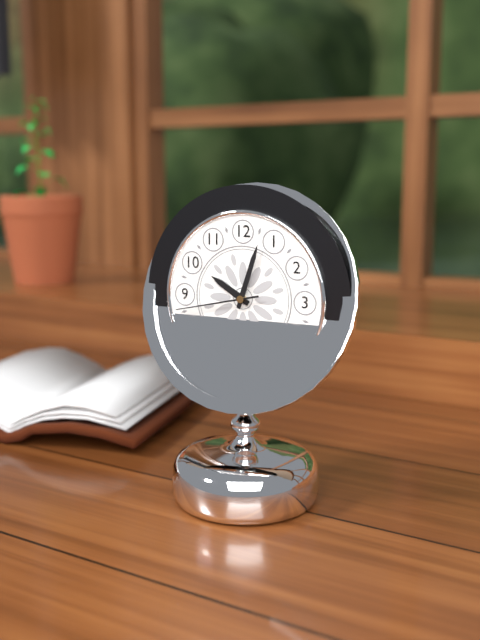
10:03:43
